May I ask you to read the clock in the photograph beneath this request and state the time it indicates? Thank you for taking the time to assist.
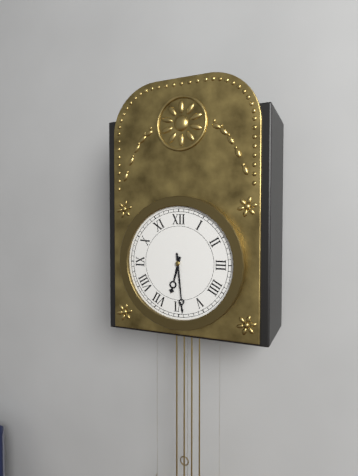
6:29
